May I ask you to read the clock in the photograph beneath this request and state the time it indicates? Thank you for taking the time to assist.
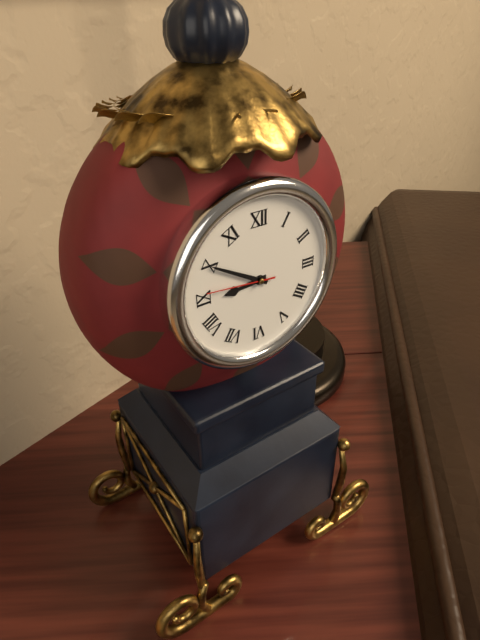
8:50:46
